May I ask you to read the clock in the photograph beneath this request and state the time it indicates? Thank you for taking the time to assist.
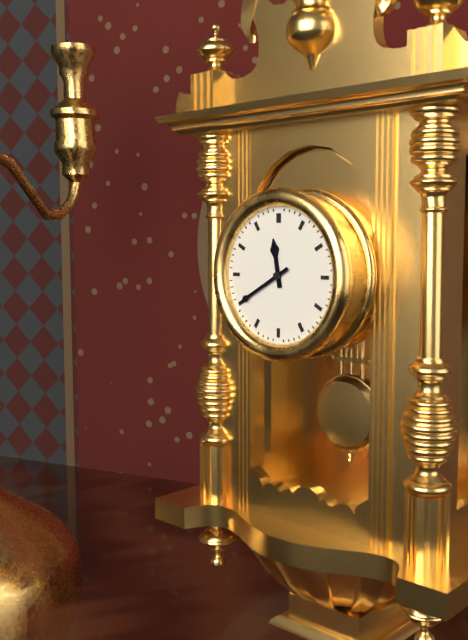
11:40
